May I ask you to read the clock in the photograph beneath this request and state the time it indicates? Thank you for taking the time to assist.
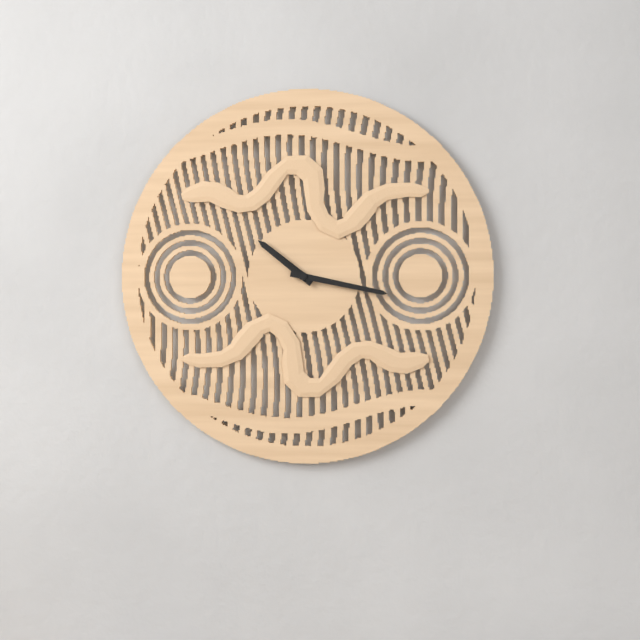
10:17
